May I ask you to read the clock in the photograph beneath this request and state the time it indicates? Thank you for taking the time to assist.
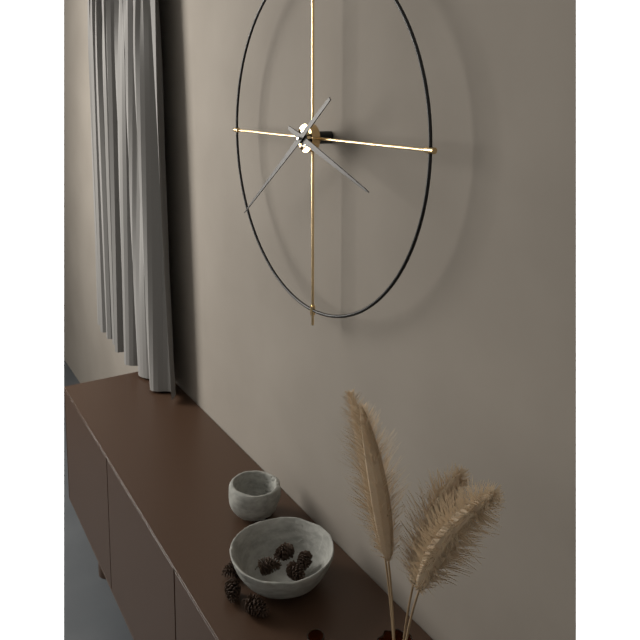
3:39
